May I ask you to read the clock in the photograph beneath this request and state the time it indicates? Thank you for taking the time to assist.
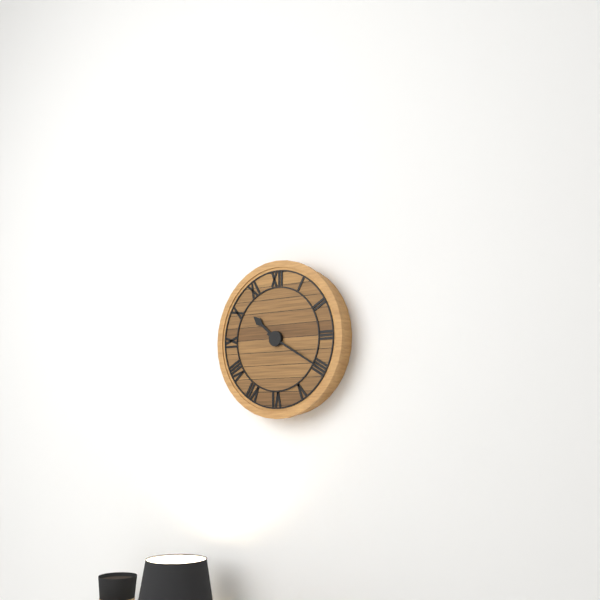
10:20
